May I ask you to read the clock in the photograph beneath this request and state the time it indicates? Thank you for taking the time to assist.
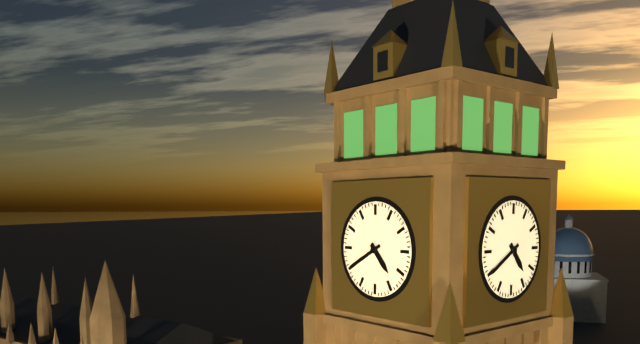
4:40
